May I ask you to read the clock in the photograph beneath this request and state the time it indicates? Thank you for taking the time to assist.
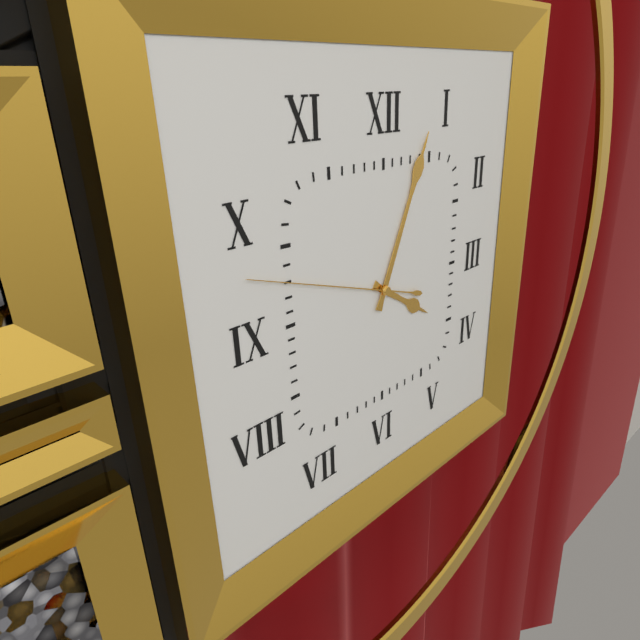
4:04:48
